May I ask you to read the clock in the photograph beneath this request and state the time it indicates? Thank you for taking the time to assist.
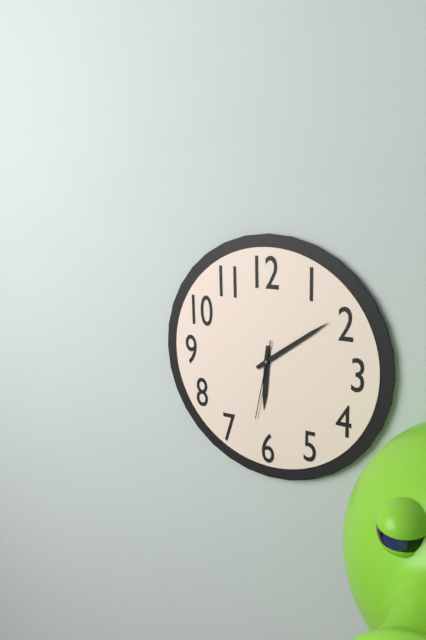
6:09:32
